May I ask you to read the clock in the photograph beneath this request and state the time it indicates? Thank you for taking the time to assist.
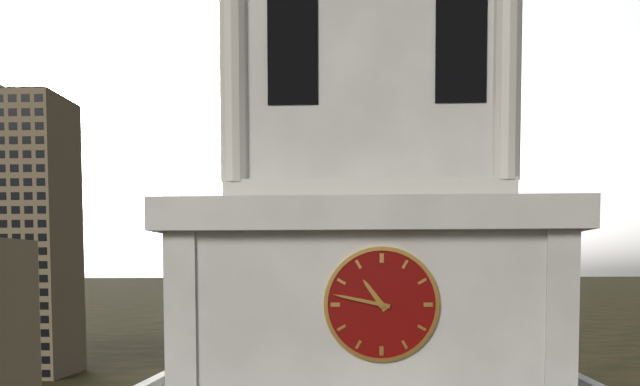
10:47
